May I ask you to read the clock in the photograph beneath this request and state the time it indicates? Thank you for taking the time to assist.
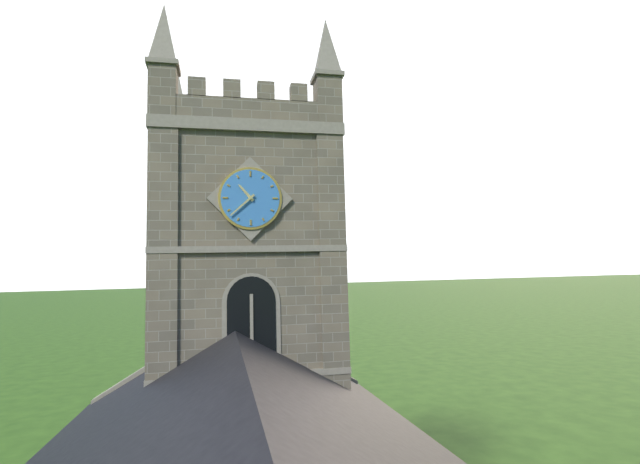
10:38
